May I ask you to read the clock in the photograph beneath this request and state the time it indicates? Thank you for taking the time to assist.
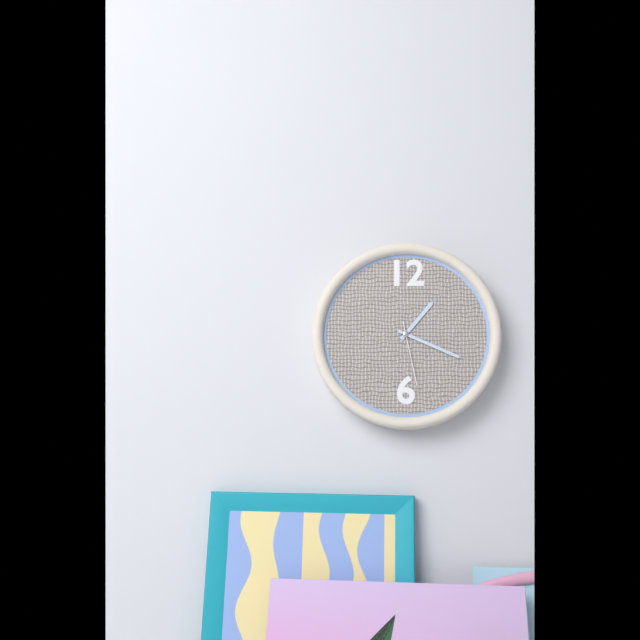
1:19:28
